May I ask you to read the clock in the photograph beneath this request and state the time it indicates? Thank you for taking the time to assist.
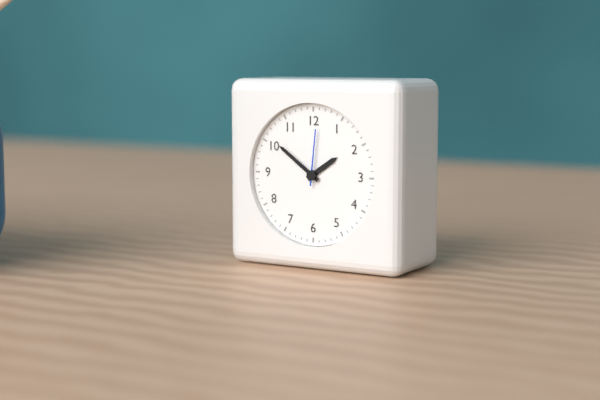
1:51:01
